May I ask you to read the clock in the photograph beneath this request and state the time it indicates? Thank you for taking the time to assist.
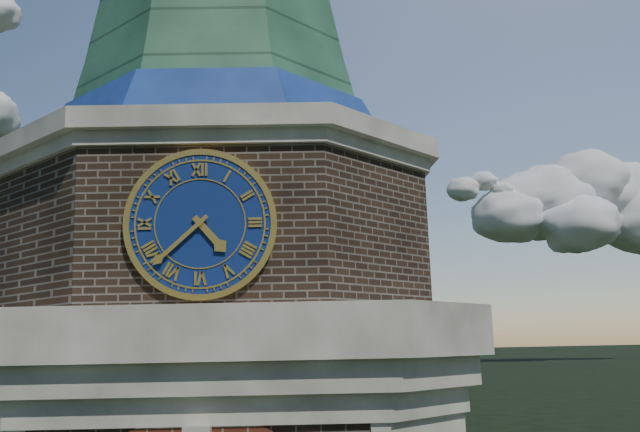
4:38
